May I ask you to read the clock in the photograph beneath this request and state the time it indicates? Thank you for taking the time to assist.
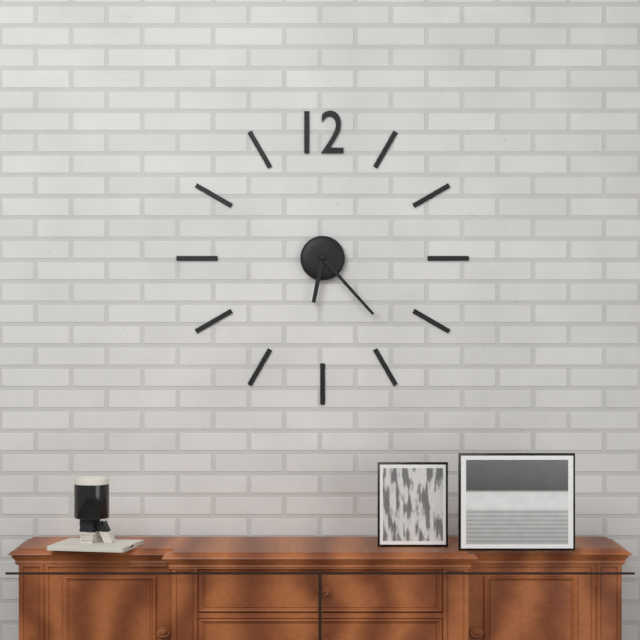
6:23
